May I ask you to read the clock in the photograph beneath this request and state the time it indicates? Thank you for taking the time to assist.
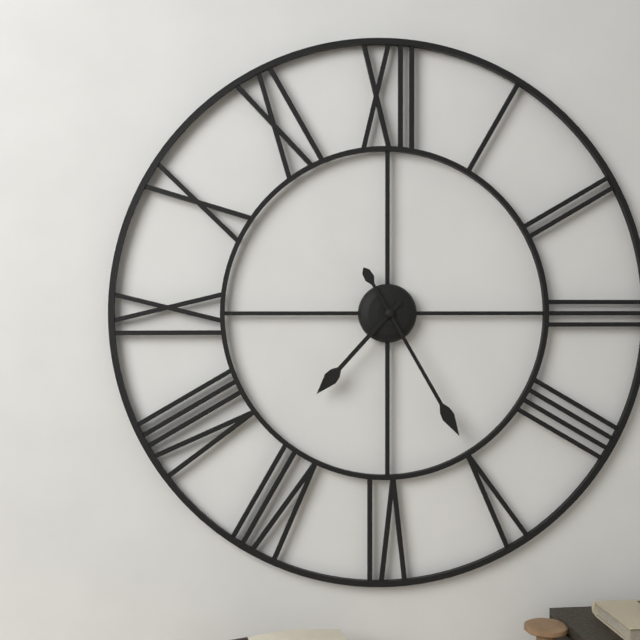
7:25
